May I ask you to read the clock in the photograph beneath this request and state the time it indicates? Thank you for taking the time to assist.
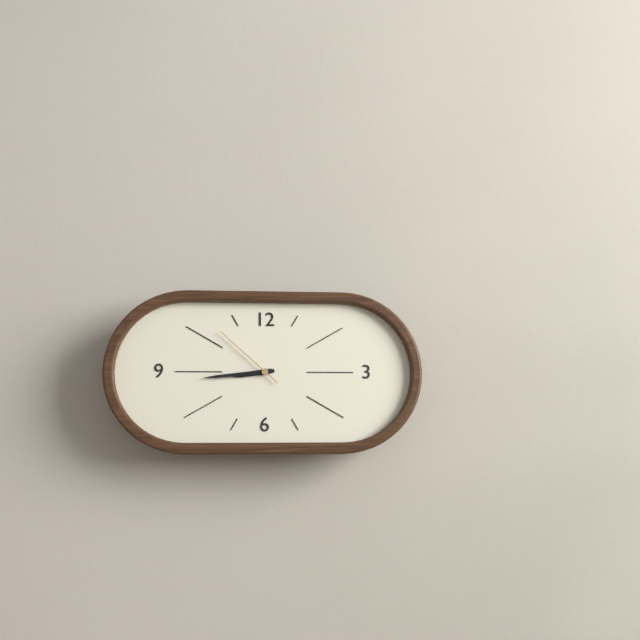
8:44:52
